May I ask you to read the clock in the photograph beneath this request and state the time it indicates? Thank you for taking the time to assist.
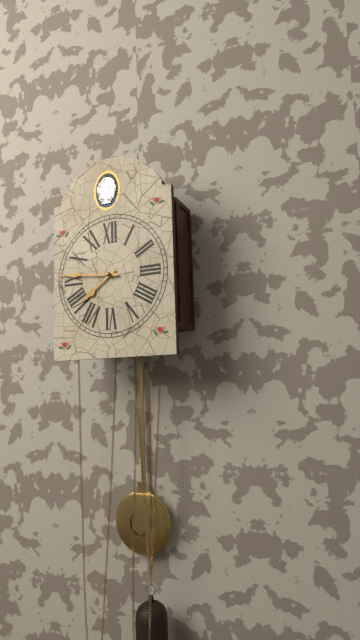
7:46
